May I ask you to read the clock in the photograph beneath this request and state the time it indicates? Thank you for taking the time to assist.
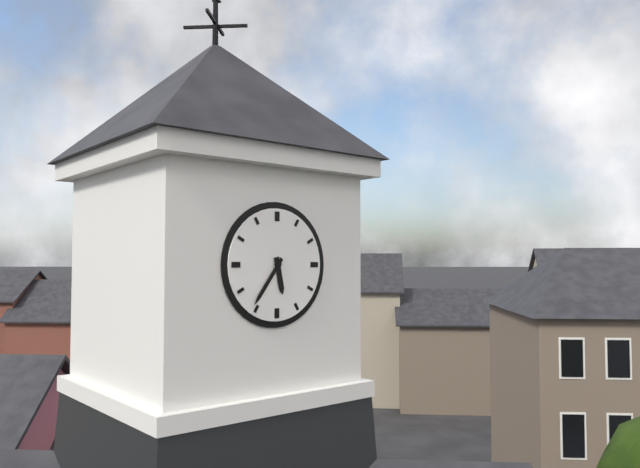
5:36
